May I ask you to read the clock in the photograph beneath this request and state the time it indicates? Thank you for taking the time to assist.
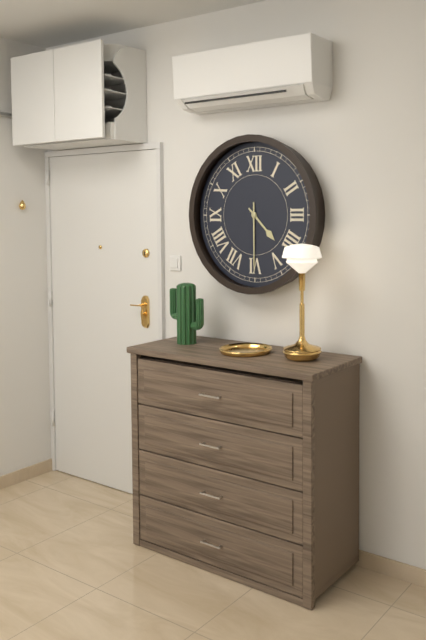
4:30
